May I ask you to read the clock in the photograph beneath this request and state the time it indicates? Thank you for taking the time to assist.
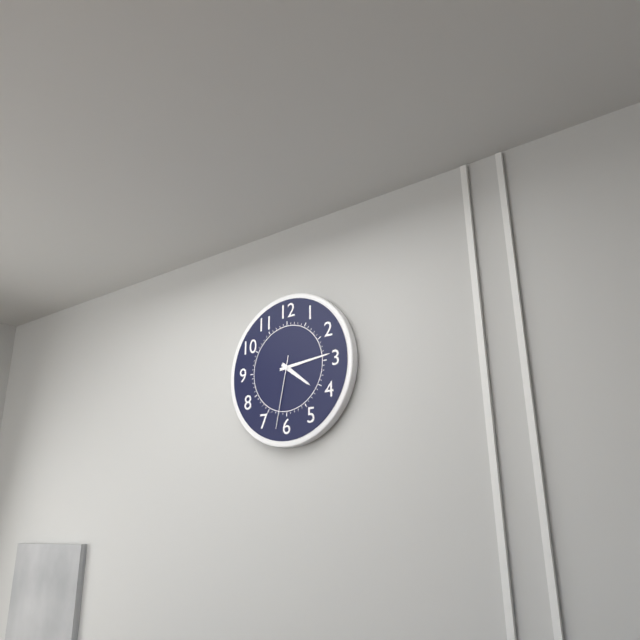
4:14:32
